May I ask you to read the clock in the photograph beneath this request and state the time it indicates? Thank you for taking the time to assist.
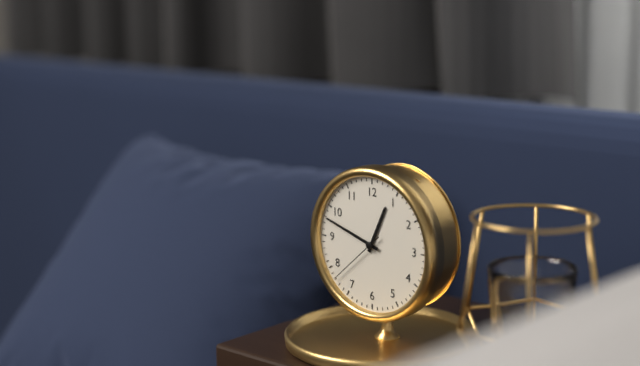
12:48:38
